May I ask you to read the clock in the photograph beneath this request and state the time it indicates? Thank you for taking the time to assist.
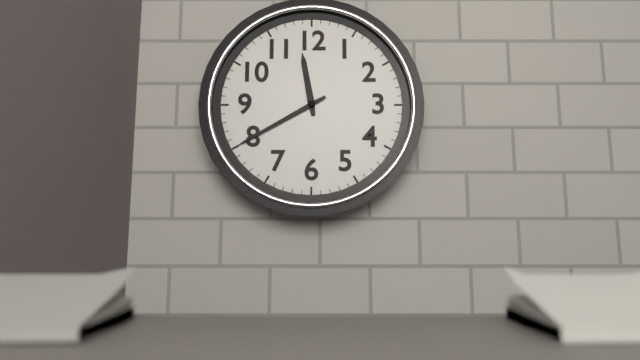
11:40
